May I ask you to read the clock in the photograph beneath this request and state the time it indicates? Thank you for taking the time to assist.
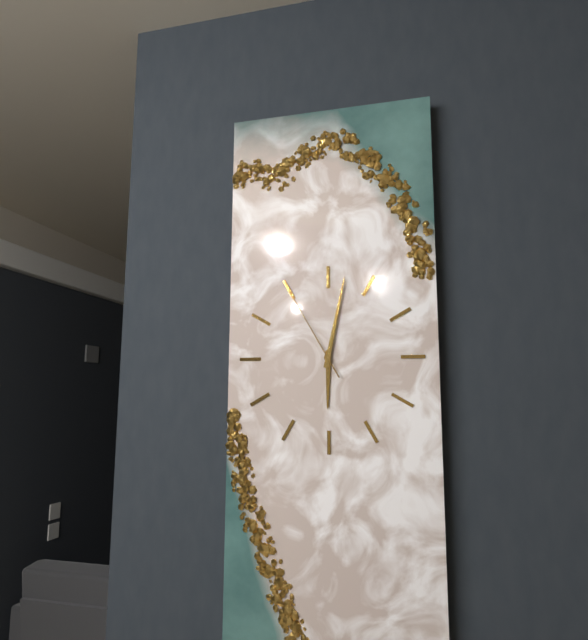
6:02:55
